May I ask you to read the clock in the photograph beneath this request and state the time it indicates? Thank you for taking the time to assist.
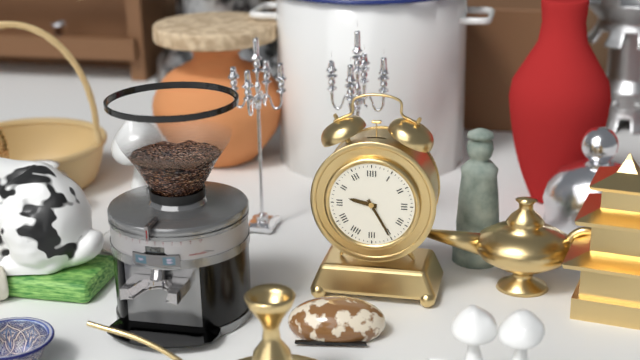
9:25
